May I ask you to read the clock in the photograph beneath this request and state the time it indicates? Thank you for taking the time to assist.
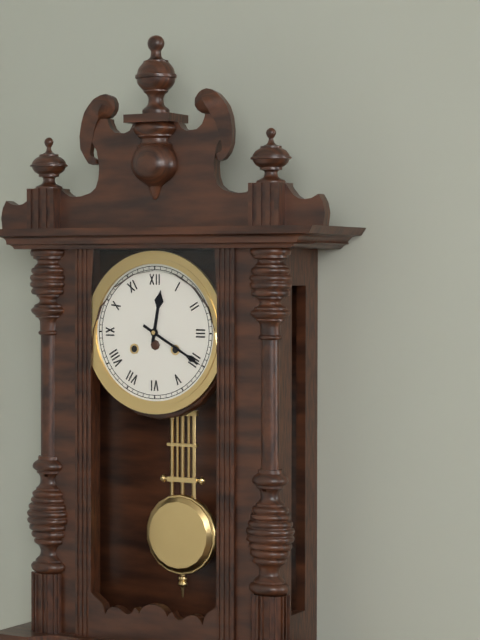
12:20
